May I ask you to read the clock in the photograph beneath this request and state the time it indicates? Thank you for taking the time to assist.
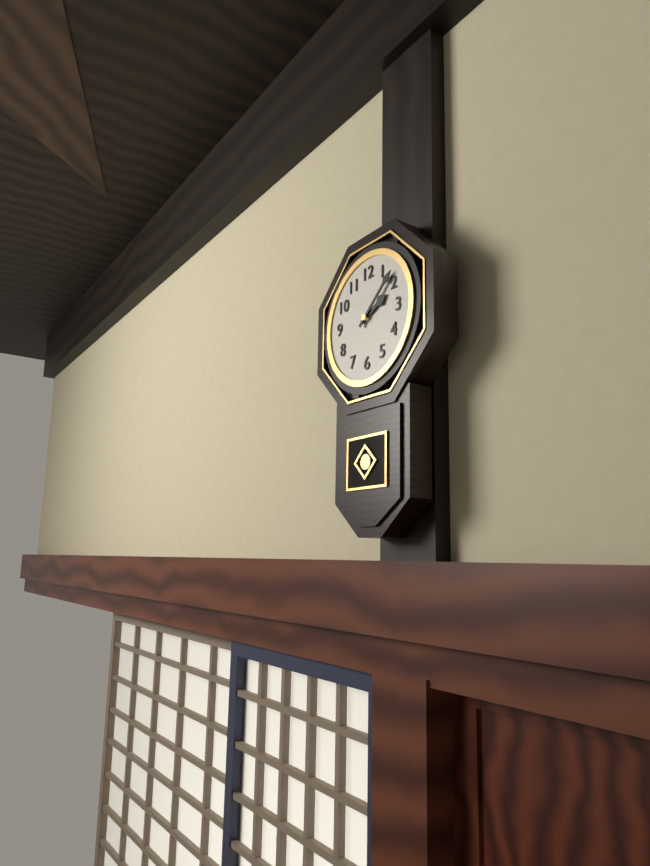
2:08
